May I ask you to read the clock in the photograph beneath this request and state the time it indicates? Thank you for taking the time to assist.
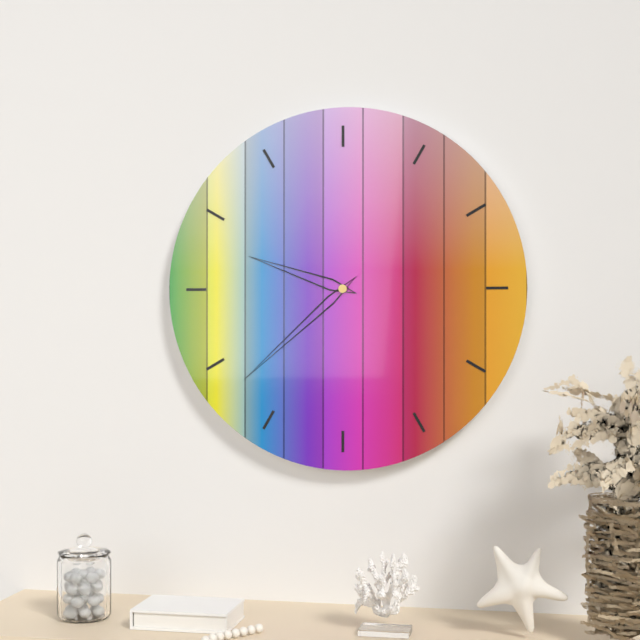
9:38
